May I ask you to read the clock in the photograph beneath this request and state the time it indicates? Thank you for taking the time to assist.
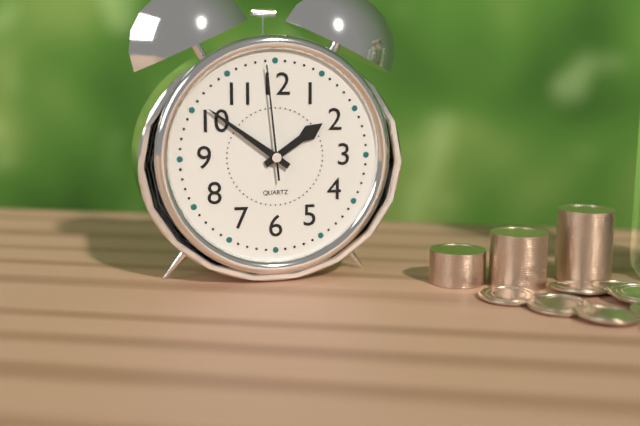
1:51:59
